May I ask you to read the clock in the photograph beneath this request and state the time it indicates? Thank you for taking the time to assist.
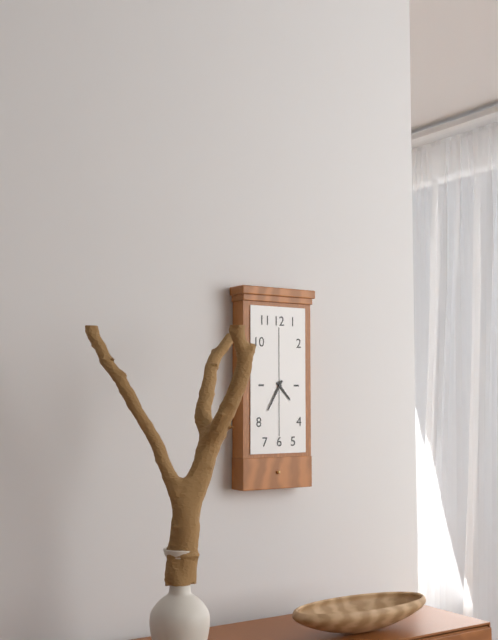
4:35
